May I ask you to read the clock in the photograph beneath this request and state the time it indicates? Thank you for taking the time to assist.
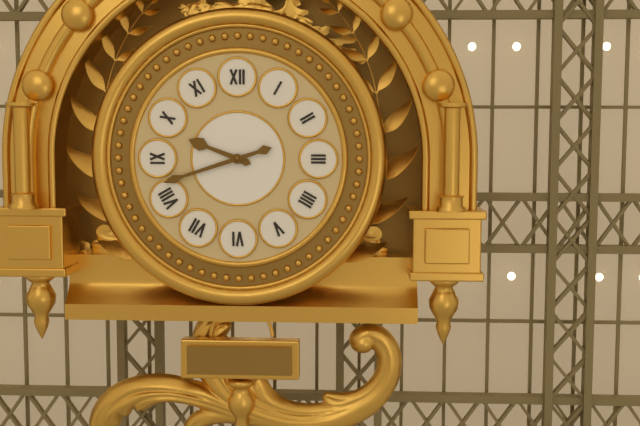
9:42
